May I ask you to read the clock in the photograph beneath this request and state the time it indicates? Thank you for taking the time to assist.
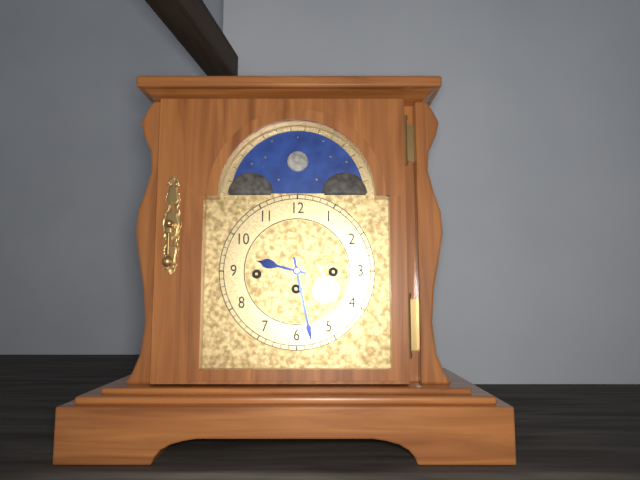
9:28
